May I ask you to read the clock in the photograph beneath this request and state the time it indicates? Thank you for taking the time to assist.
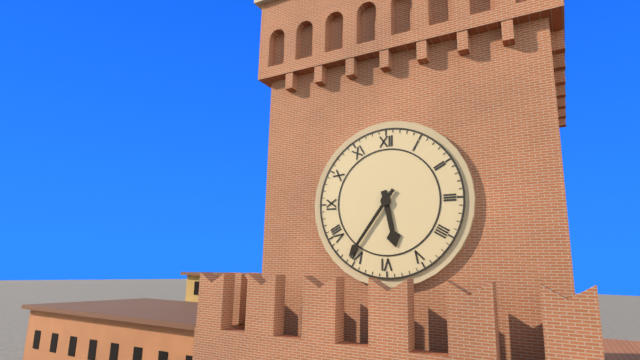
5:36
